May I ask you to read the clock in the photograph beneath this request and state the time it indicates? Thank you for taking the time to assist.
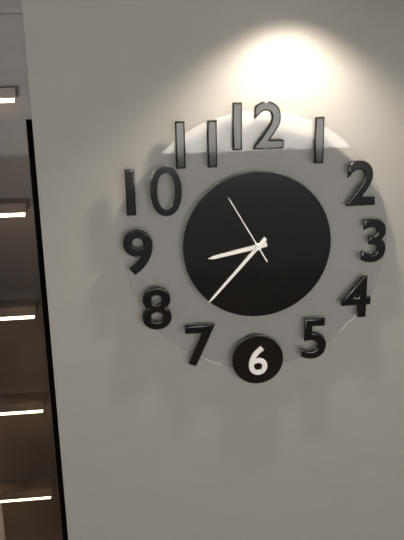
8:37:55
